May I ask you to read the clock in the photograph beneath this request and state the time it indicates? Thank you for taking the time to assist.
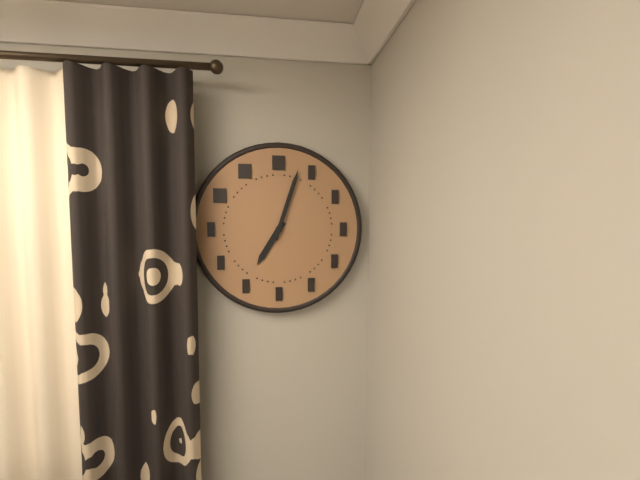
7:03
